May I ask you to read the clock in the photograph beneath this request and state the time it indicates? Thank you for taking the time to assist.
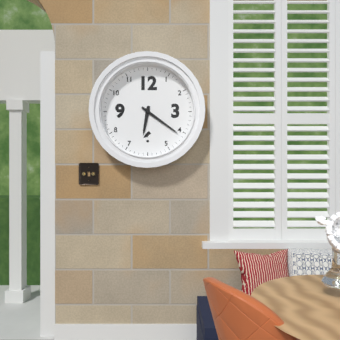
6:21
